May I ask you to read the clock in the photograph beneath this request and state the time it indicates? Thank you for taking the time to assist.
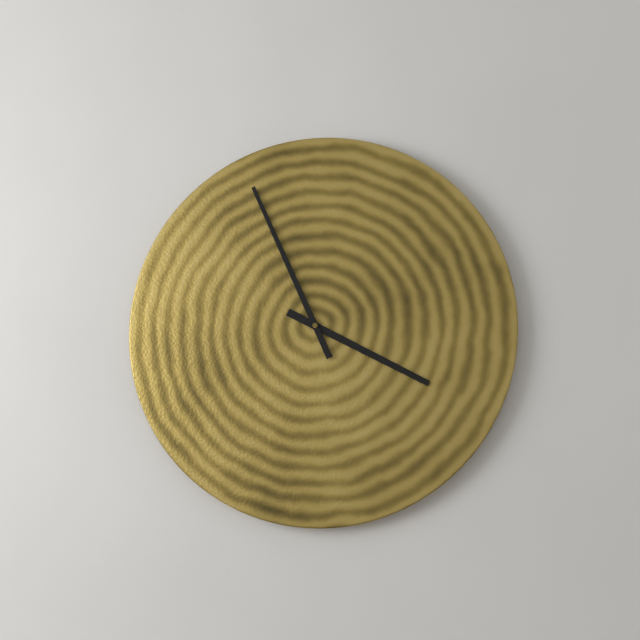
3:56
